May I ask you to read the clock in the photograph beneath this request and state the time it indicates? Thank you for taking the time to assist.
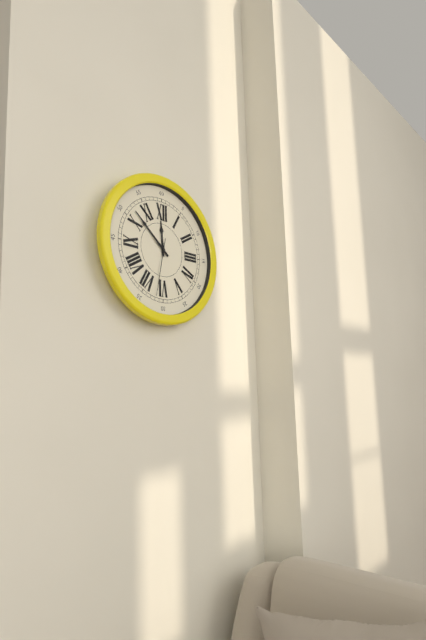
11:52:32
